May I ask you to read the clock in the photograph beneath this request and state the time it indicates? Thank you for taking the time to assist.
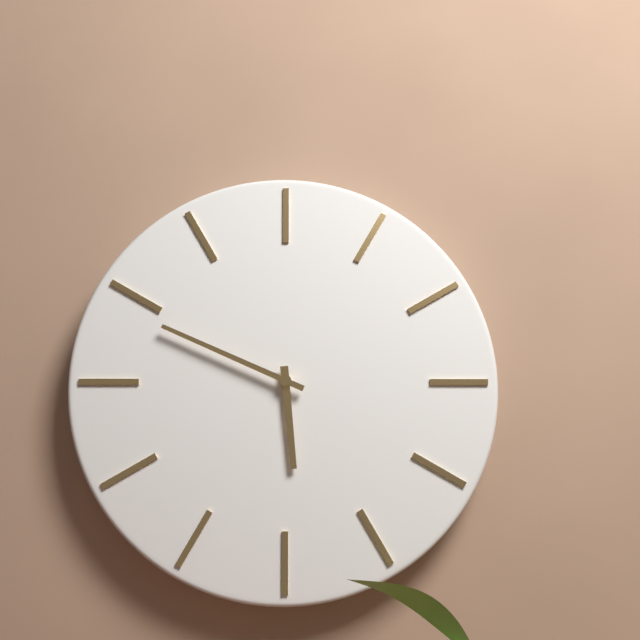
5:49
